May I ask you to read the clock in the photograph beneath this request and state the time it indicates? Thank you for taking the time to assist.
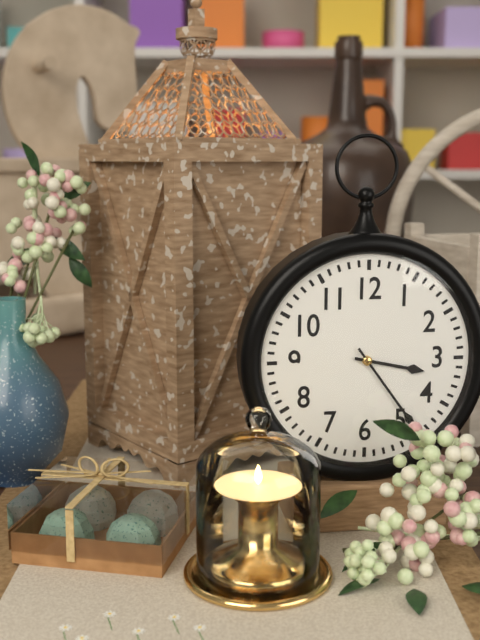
3:24
